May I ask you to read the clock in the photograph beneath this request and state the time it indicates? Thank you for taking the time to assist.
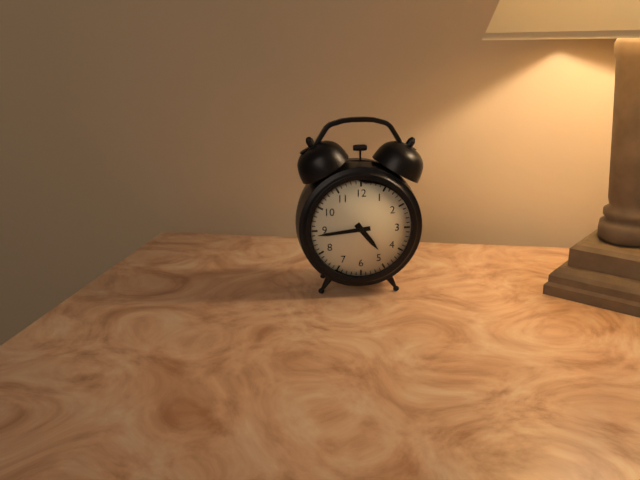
4:44
